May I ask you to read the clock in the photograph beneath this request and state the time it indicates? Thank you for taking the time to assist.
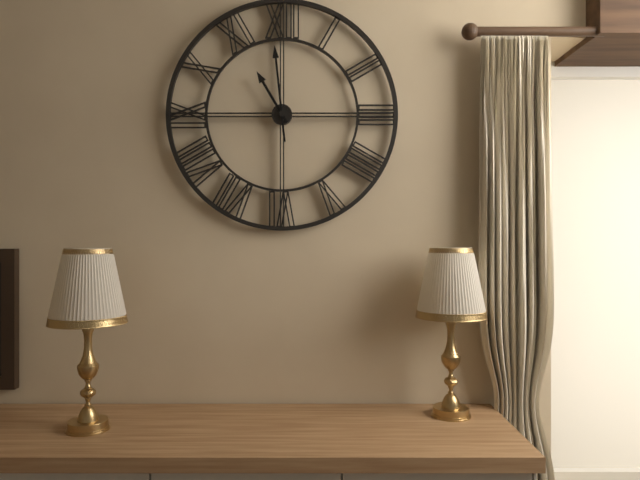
10:59
